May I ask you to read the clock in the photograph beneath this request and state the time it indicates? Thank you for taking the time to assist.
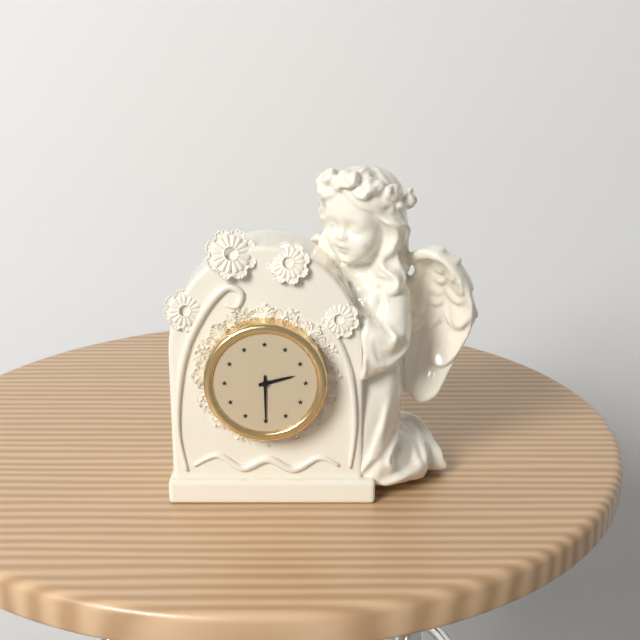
2:30
